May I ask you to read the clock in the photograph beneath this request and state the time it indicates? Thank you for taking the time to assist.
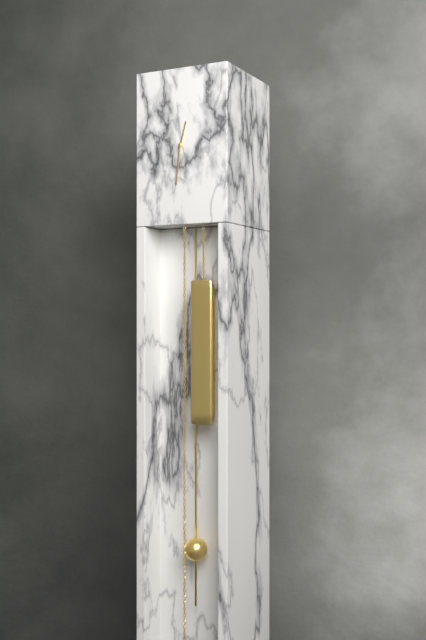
12:31
